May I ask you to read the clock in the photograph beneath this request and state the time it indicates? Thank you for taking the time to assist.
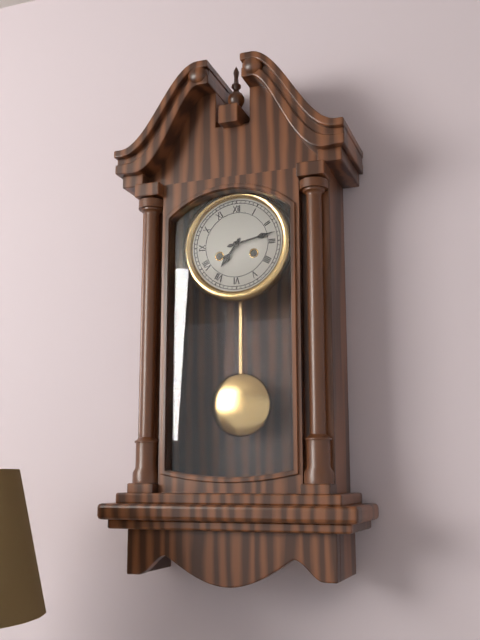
7:13
